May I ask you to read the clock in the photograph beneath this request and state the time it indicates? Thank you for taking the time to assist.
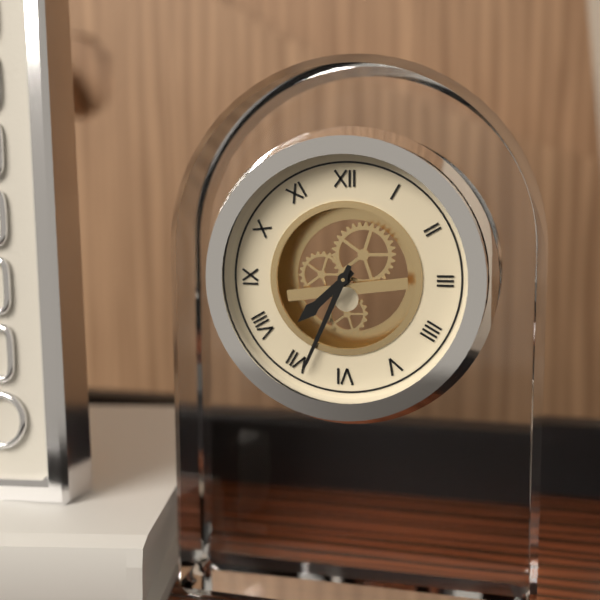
7:34
